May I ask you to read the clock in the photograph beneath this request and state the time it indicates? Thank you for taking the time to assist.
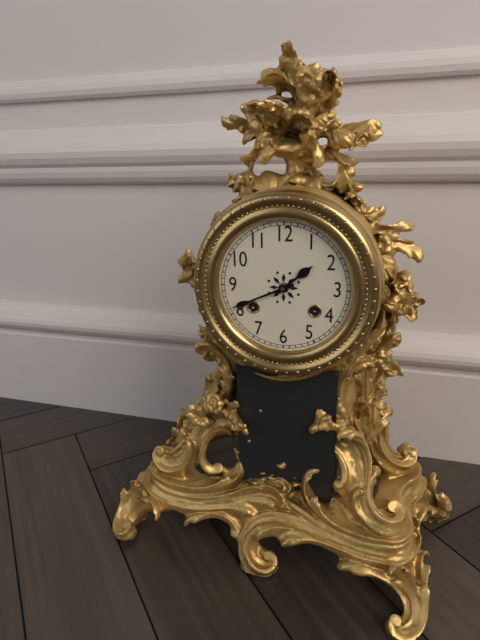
1:41
